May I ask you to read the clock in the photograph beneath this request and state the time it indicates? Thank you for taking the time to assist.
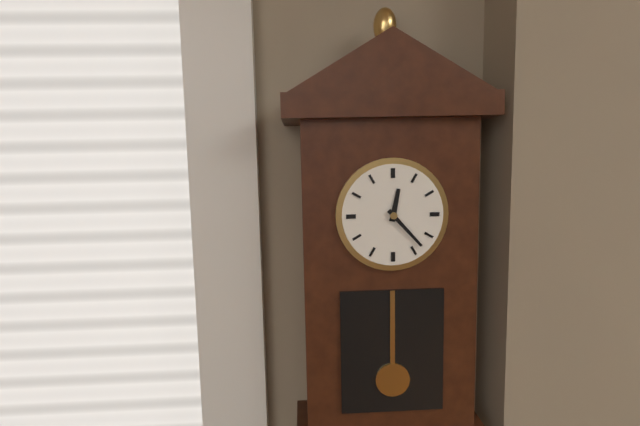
12:23
